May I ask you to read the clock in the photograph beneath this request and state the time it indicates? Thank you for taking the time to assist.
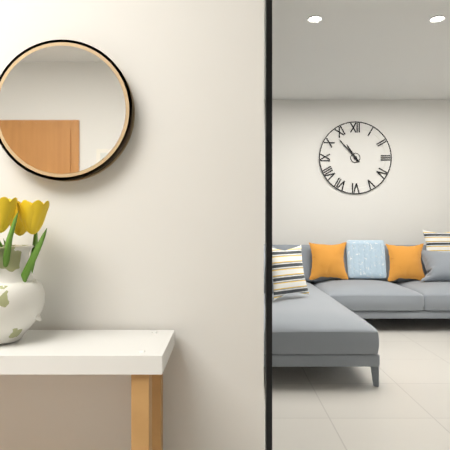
10:53
